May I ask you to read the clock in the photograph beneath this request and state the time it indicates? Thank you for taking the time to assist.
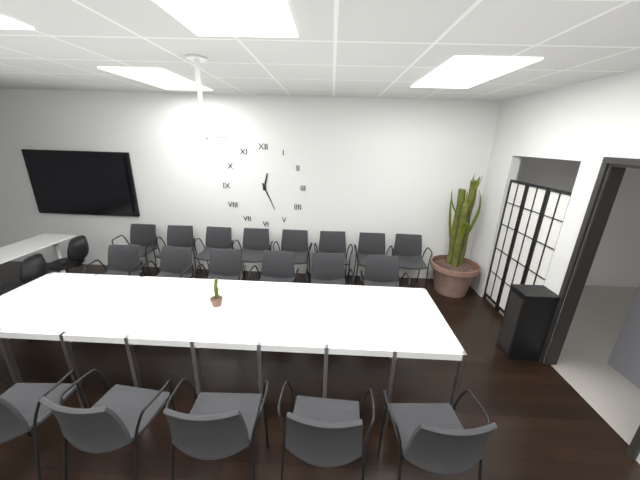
12:26
